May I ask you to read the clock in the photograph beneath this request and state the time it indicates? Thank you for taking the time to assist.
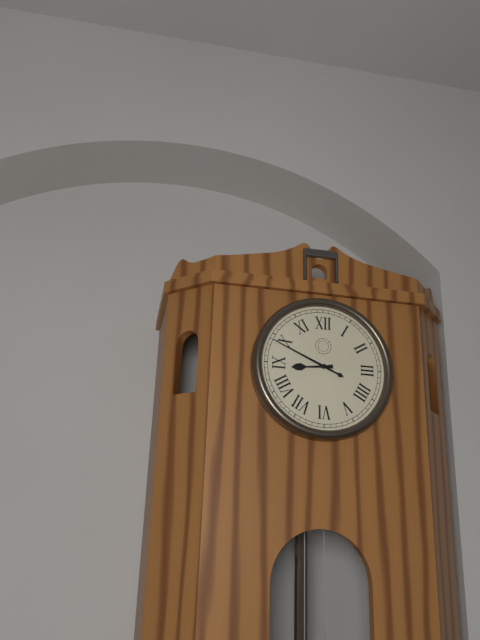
8:49
